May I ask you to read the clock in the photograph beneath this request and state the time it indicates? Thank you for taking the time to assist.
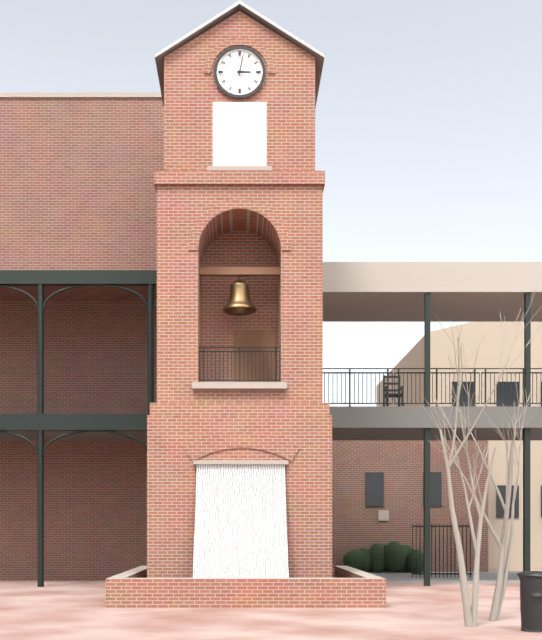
3:02
